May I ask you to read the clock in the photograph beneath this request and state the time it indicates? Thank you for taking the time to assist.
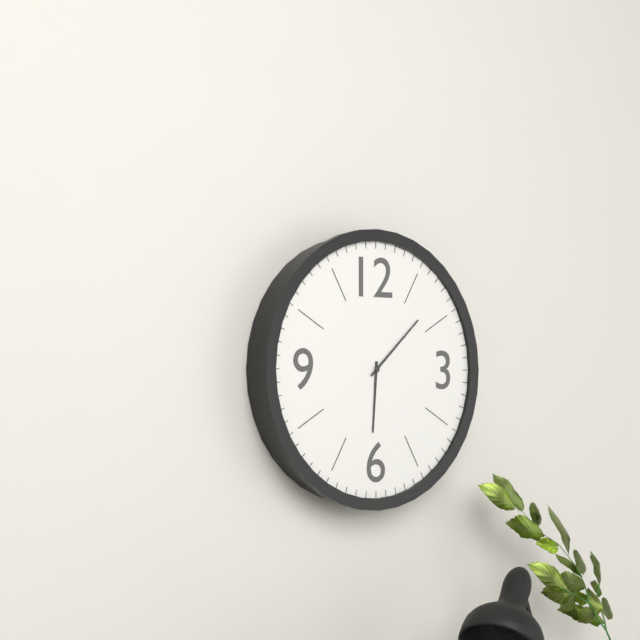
6:08
